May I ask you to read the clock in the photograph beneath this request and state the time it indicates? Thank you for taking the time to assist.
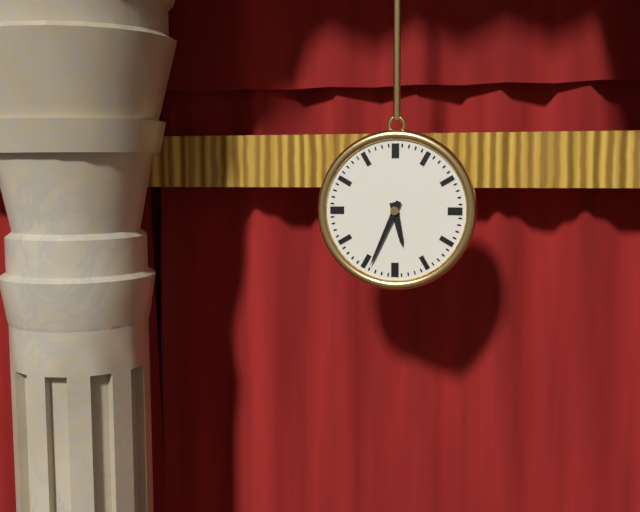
5:34
